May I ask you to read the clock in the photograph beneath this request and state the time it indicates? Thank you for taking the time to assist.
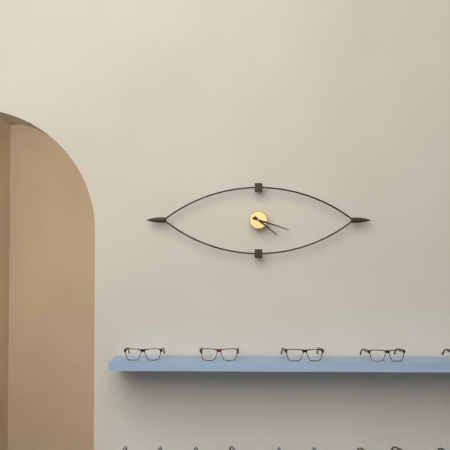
4:18
